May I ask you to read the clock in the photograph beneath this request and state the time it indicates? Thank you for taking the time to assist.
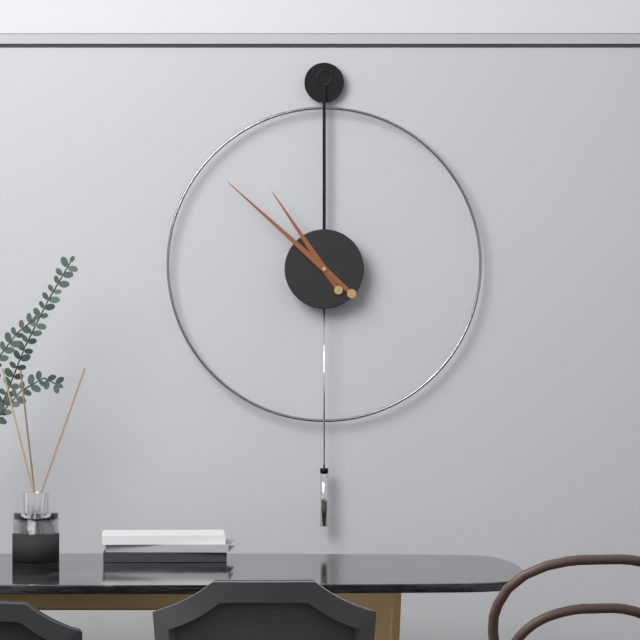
10:52
